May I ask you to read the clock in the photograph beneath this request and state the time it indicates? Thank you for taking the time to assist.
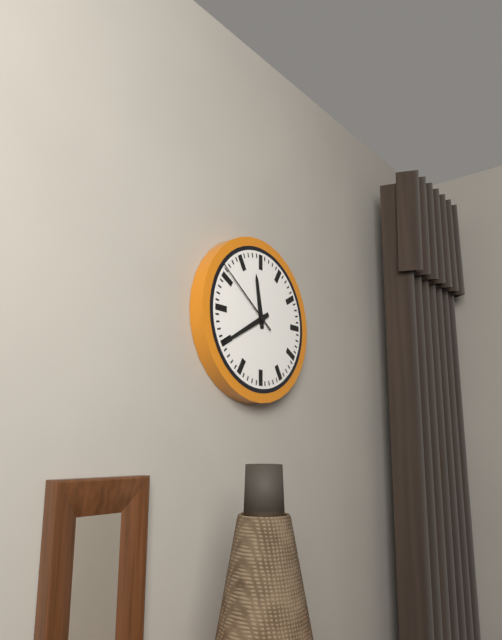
11:40:51
